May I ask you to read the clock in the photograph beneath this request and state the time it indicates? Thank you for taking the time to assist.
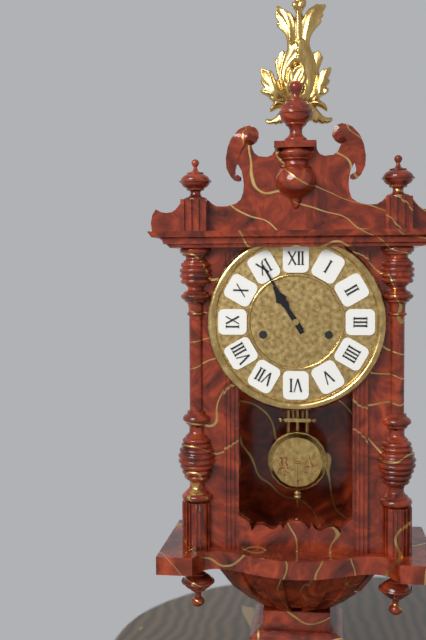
10:55
